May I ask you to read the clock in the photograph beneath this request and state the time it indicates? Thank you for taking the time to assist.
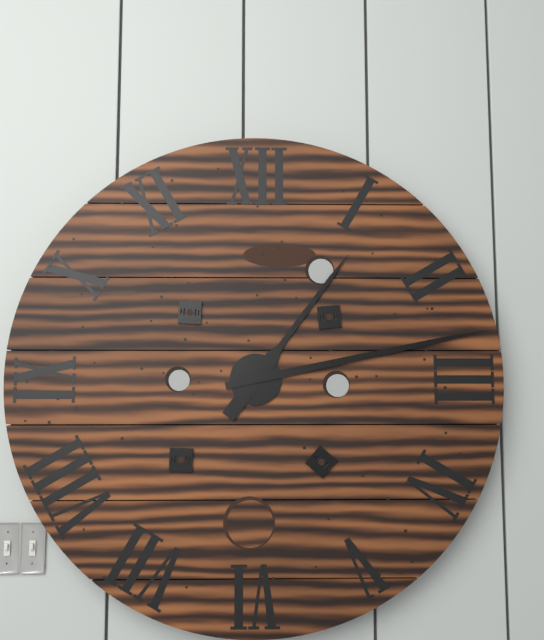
1:13
